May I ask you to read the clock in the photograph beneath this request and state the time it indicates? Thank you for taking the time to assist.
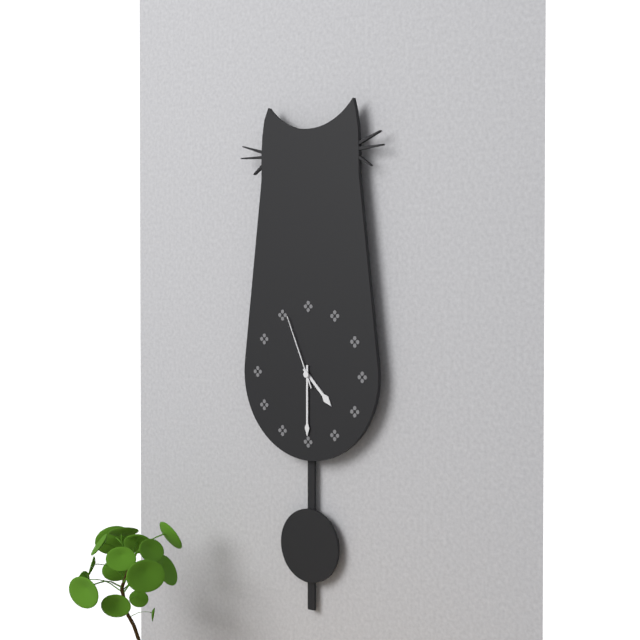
4:30:56
